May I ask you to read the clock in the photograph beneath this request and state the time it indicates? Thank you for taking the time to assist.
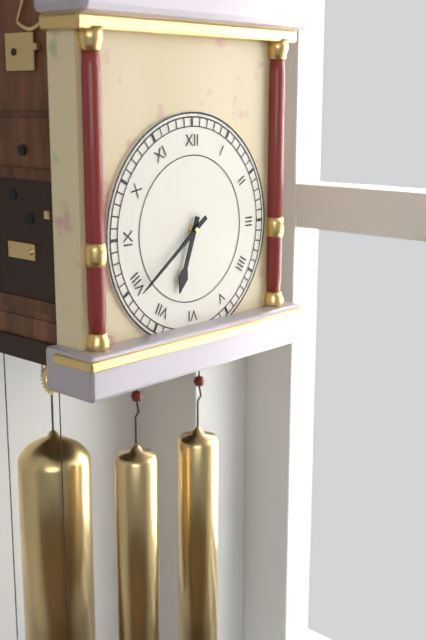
6:39
